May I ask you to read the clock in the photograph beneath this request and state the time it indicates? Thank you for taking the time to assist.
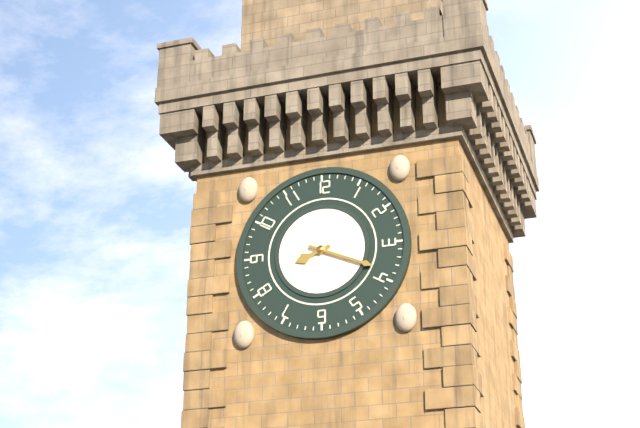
8:19
